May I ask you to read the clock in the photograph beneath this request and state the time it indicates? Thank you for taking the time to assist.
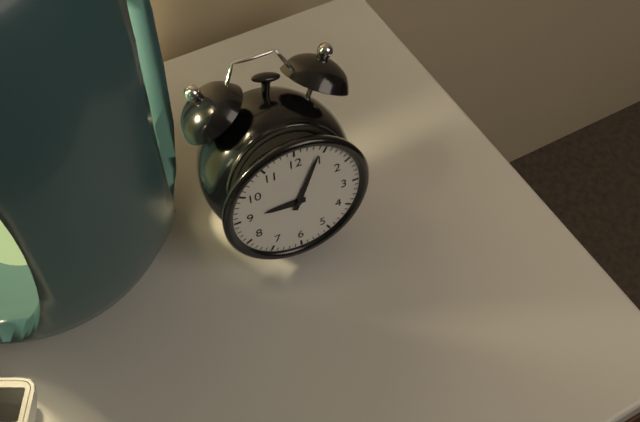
9:04
